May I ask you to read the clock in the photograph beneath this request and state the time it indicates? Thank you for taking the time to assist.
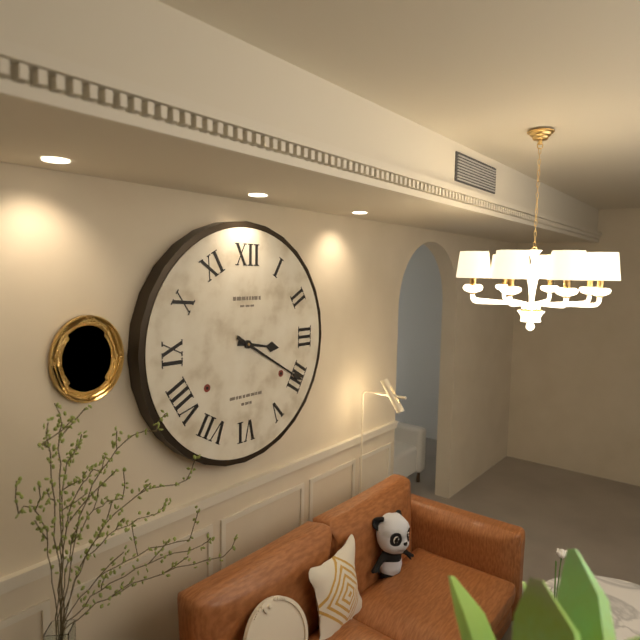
3:20
